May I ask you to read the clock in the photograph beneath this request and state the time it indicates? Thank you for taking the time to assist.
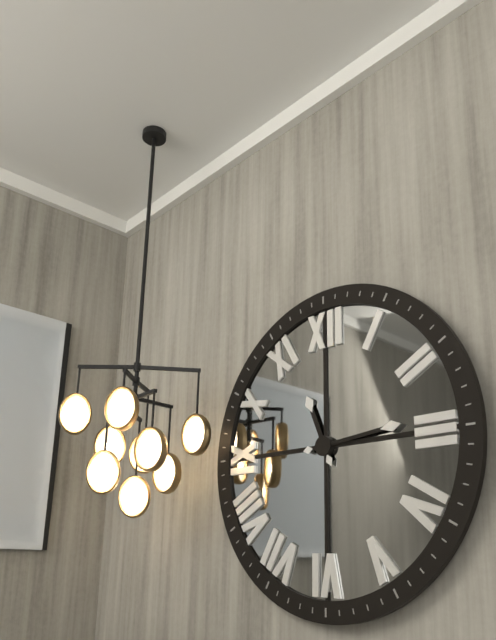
11:14
